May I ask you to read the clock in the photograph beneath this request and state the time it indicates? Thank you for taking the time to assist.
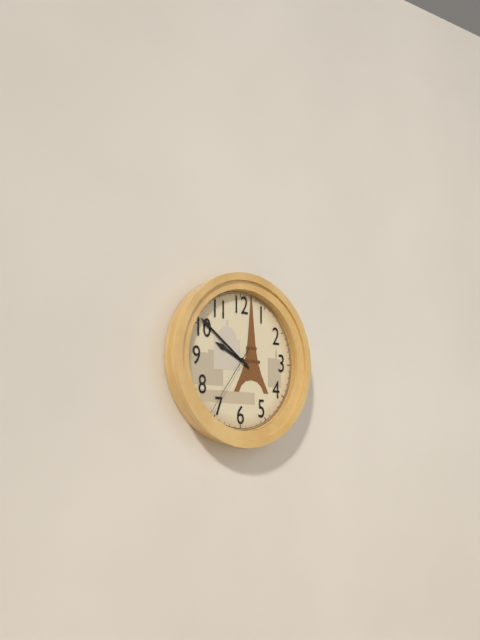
9:51:36
